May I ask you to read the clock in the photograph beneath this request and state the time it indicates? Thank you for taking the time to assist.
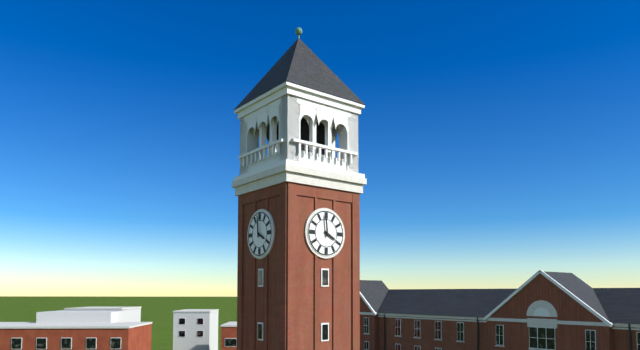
3:59
